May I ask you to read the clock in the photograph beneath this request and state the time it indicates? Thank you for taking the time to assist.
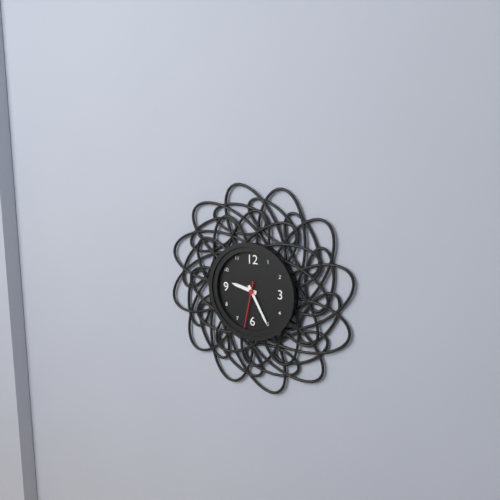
9:25:32
